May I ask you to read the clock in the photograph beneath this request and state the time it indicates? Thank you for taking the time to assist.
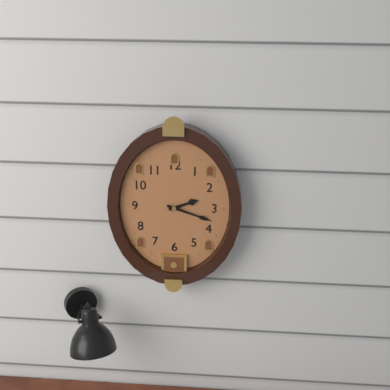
2:18
